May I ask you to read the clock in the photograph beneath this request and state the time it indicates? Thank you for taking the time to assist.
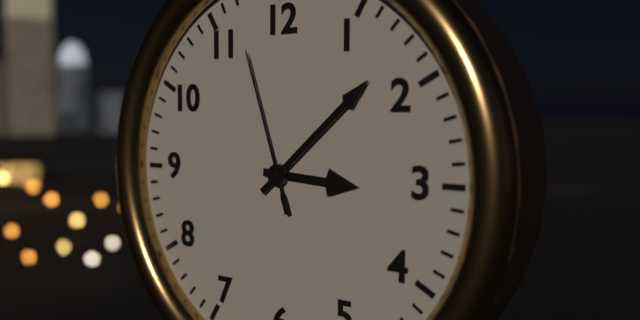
3:08:57
